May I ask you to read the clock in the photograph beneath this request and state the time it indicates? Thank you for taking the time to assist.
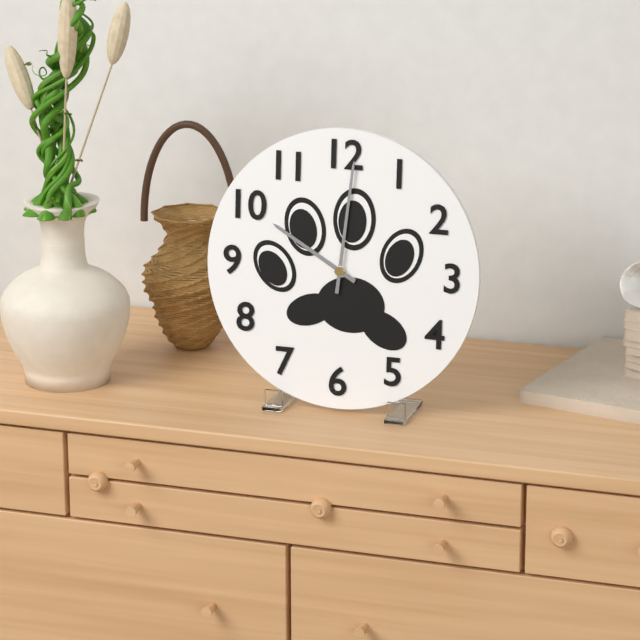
10:01
